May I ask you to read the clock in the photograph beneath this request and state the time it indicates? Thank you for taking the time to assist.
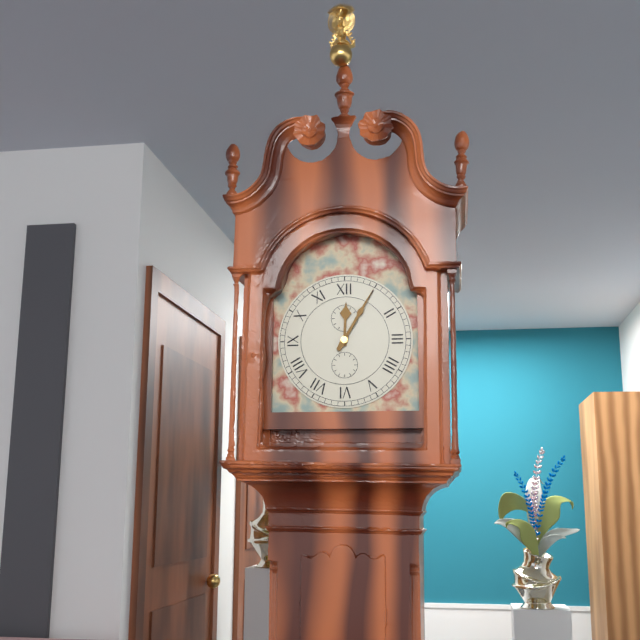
12:05
